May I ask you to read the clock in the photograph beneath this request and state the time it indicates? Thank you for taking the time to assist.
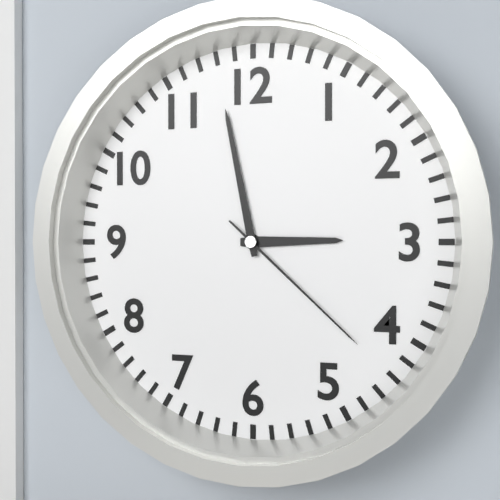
2:58:22
